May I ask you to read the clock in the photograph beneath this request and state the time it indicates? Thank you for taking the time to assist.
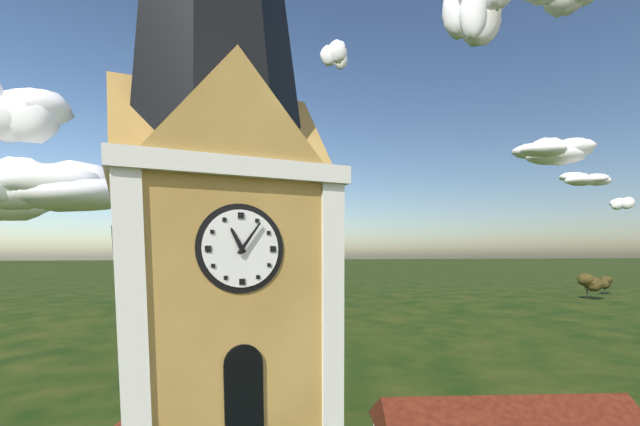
11:06
